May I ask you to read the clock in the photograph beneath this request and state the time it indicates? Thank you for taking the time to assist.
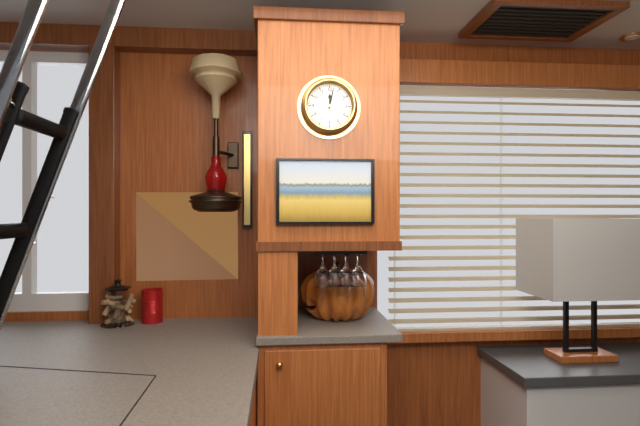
12:02
